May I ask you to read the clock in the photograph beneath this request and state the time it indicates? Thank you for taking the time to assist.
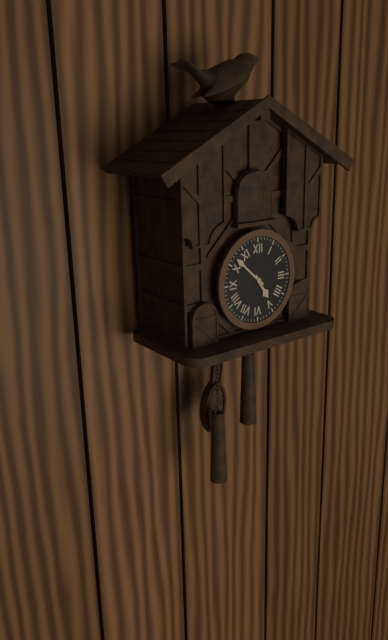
4:52
